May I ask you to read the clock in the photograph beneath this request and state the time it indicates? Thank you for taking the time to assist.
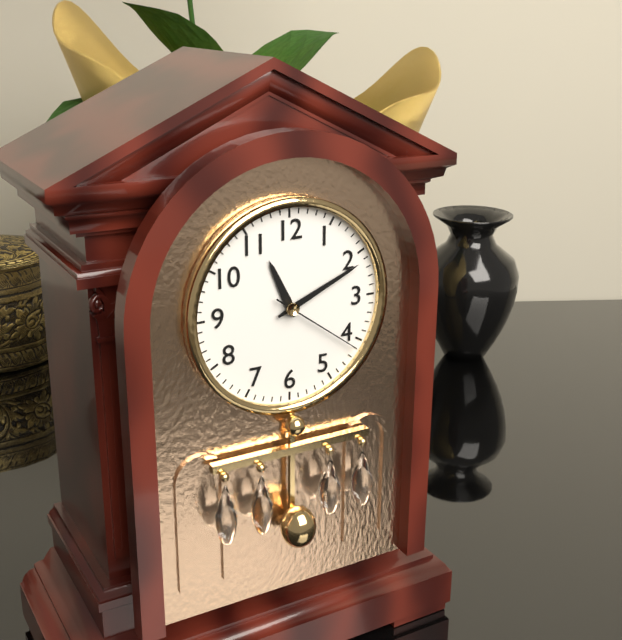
11:11:21
